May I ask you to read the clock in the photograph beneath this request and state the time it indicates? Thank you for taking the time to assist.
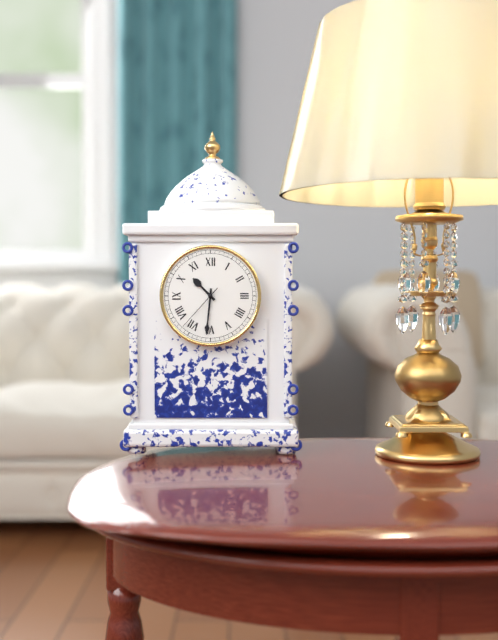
10:31:37
